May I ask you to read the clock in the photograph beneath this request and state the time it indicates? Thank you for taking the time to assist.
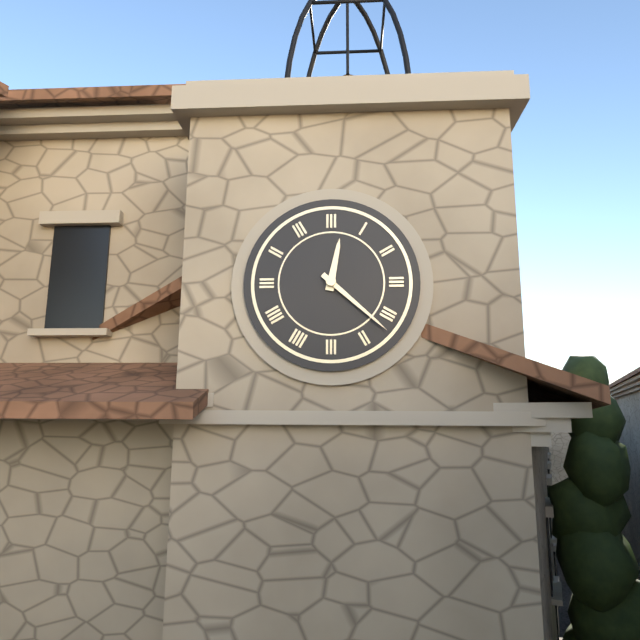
12:22
